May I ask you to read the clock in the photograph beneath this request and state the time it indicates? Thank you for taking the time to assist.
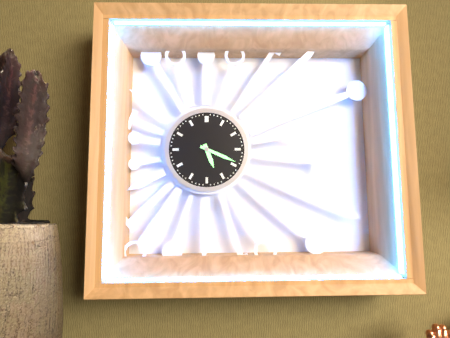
5:19
